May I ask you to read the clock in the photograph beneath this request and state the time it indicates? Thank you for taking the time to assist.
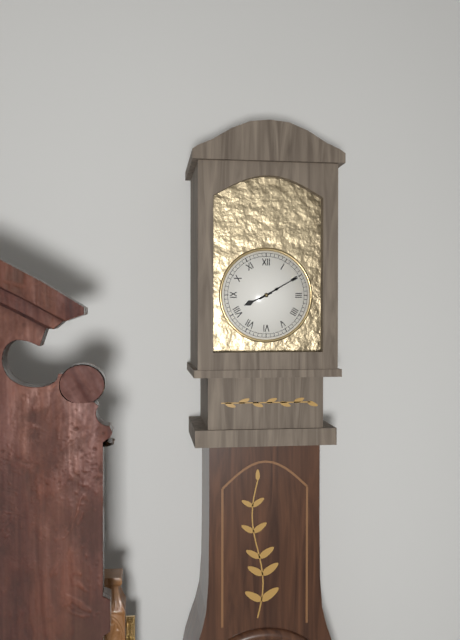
8:10
